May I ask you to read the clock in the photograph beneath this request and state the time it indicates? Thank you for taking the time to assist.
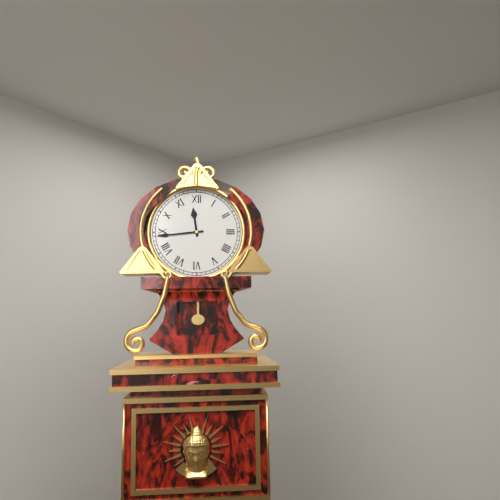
11:44
